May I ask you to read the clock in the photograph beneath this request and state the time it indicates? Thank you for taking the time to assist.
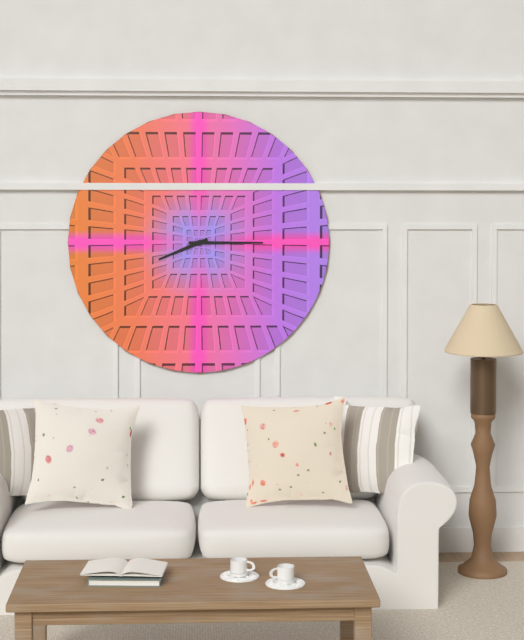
8:15
